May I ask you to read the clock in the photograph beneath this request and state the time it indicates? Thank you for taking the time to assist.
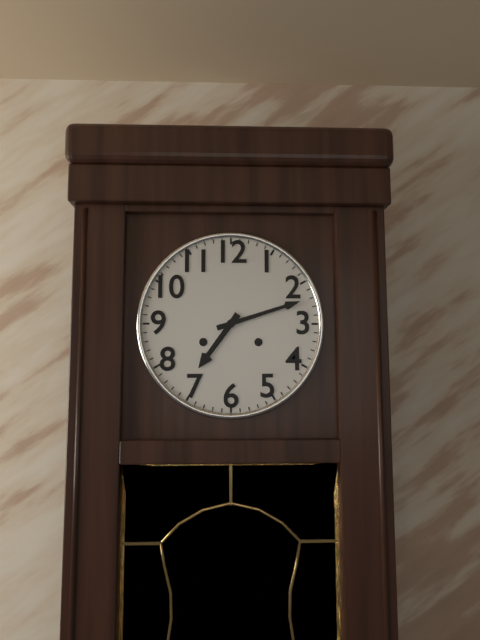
7:12
